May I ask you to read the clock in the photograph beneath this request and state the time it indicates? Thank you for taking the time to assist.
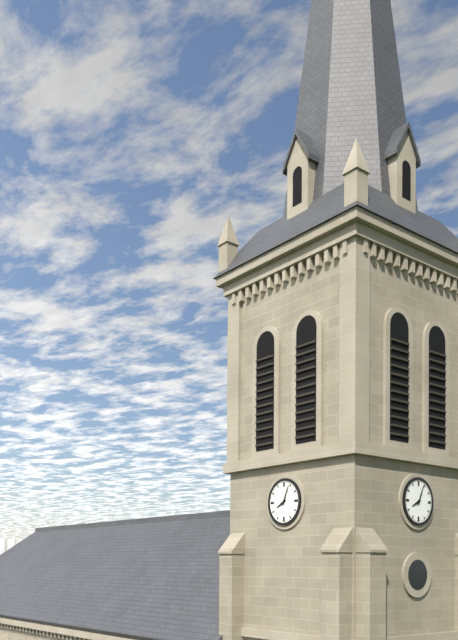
8:04
